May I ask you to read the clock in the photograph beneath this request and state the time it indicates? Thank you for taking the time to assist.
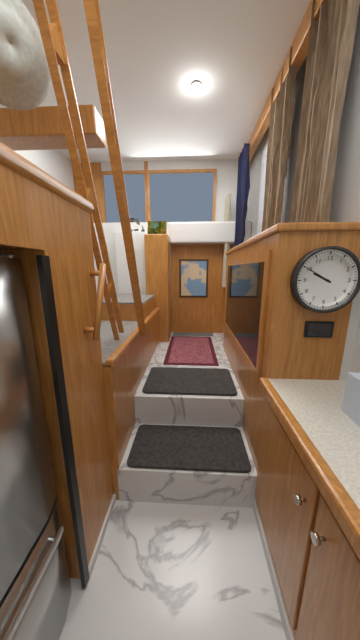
9:50
